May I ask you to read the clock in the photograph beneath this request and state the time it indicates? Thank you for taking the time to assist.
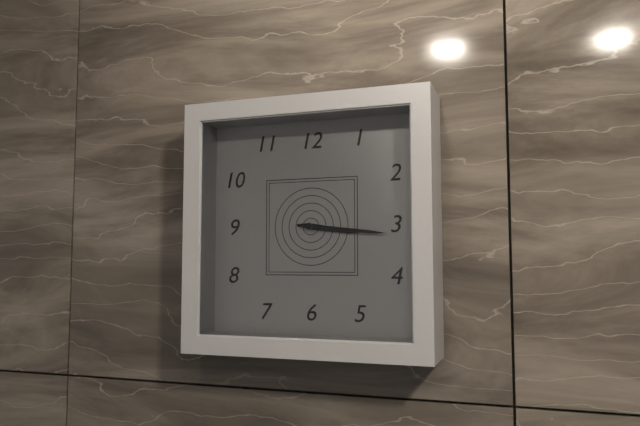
3:16
